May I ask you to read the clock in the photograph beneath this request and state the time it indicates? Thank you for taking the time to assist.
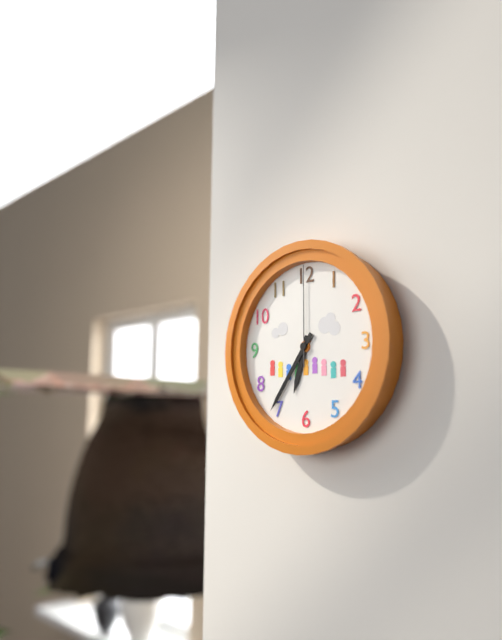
6:36:00
